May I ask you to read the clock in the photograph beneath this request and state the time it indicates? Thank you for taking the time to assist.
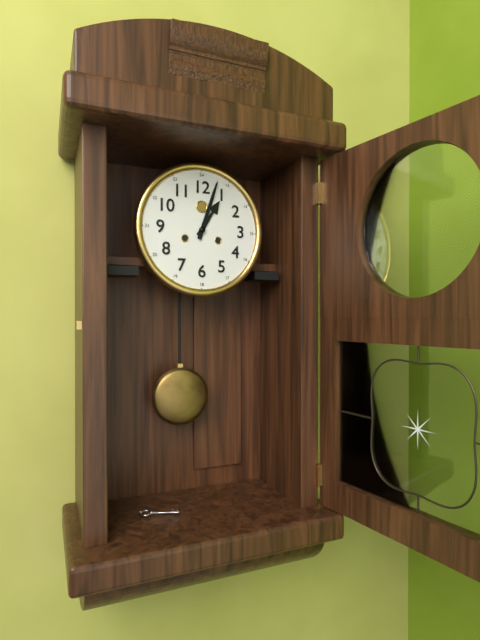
1:03
